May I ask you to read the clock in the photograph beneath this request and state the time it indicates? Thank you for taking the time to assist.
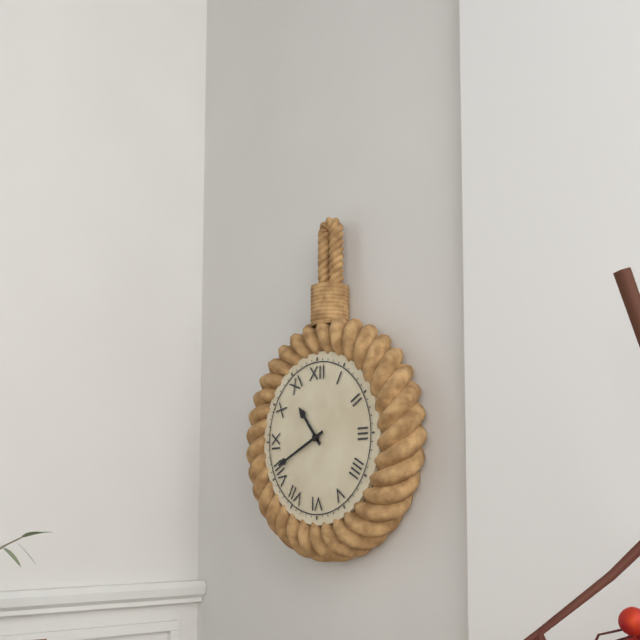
10:41
